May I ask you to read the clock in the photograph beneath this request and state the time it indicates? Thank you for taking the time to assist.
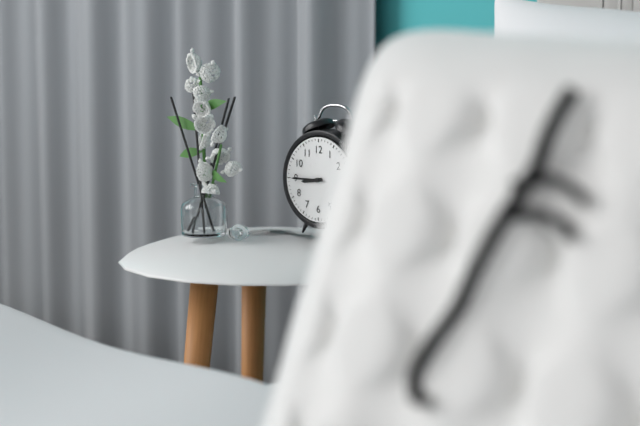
8:45
